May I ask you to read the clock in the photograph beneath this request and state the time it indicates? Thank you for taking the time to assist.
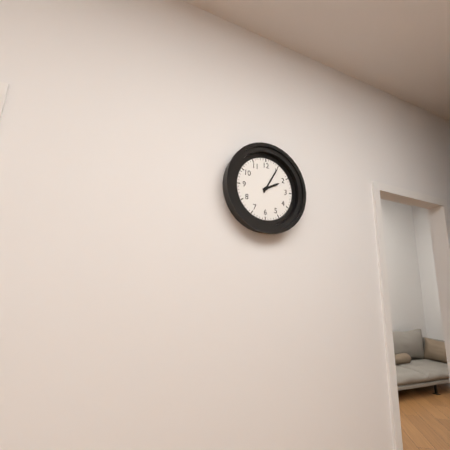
2:05
